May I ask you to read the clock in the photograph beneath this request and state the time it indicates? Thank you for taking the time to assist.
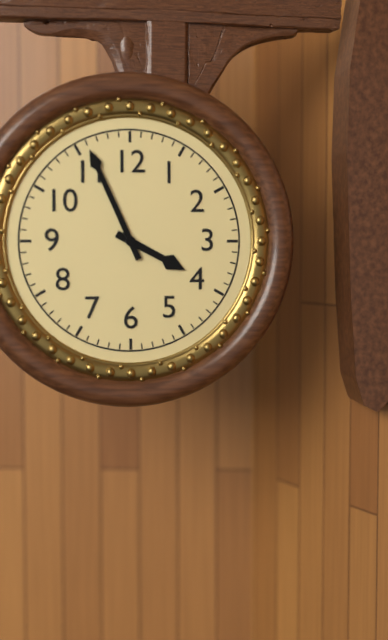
3:56
